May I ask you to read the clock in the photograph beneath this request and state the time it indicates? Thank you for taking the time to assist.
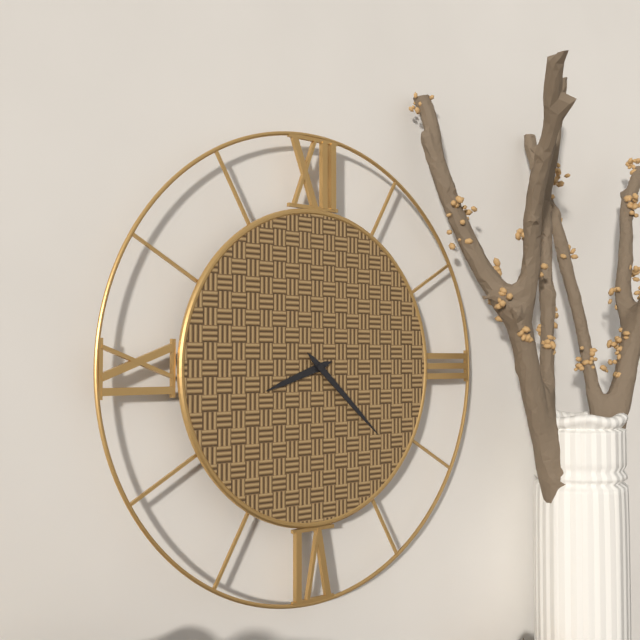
8:22
